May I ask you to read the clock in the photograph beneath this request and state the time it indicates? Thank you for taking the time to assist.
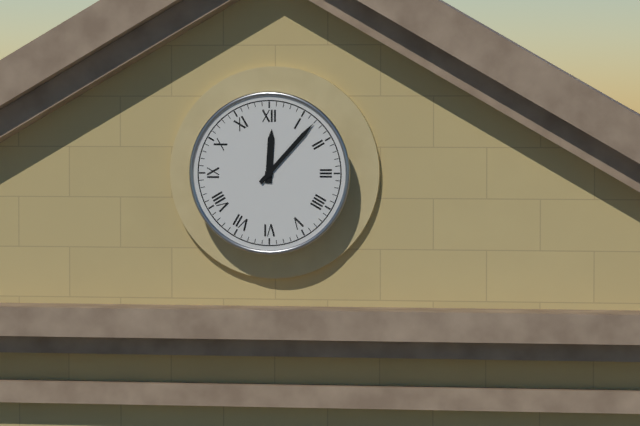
12:07
